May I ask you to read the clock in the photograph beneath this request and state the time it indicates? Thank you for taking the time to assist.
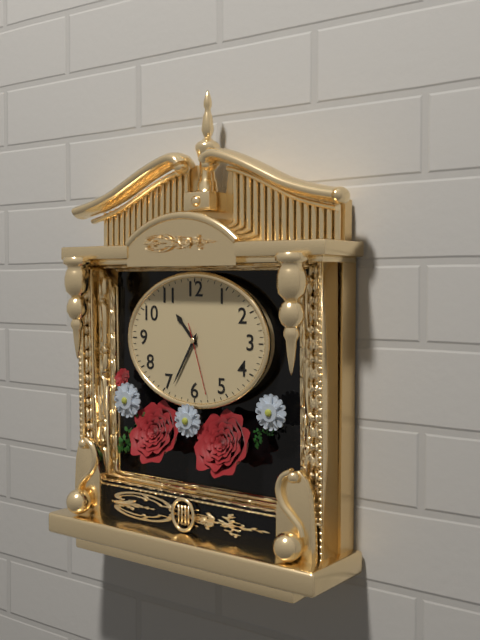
10:35:27
